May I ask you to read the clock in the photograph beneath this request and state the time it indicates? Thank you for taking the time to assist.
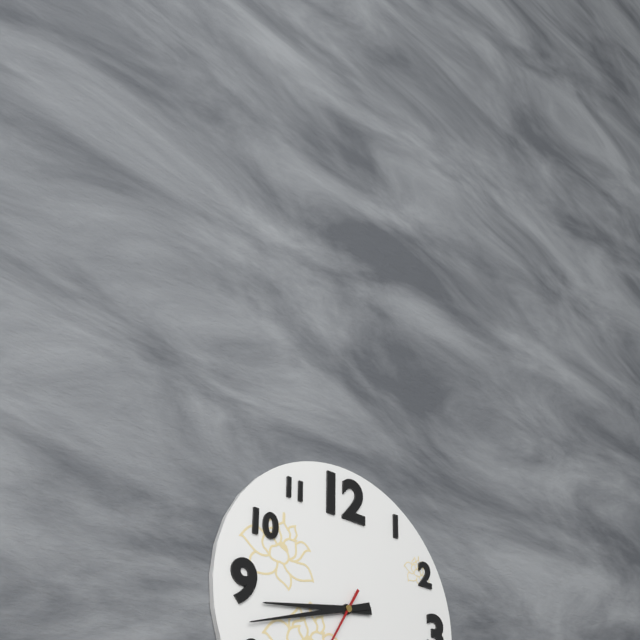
8:42
